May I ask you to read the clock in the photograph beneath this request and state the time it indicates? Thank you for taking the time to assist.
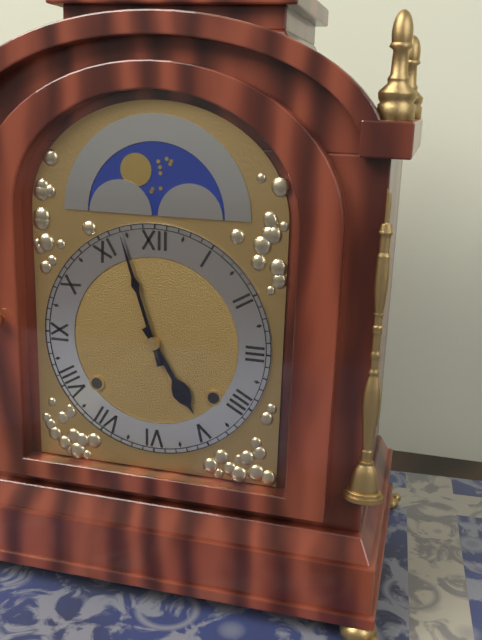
4:57
